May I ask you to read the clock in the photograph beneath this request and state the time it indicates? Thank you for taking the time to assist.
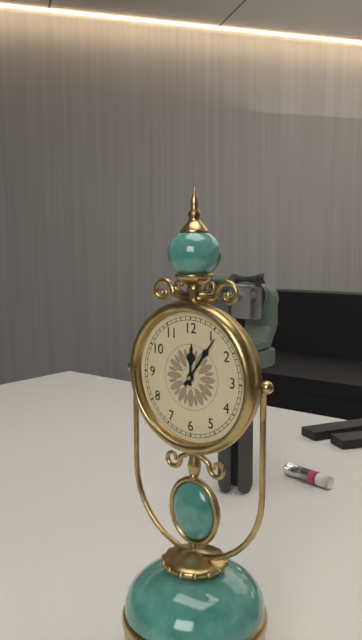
12:06
